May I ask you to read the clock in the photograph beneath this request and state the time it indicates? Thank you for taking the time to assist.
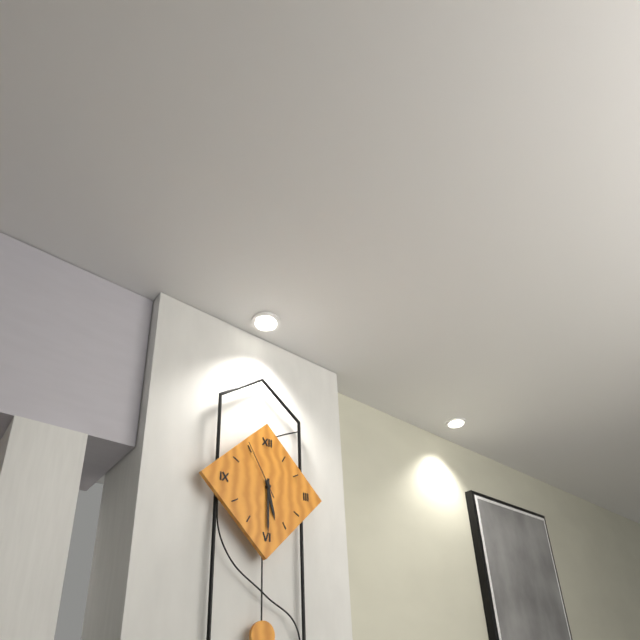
5:30:55
